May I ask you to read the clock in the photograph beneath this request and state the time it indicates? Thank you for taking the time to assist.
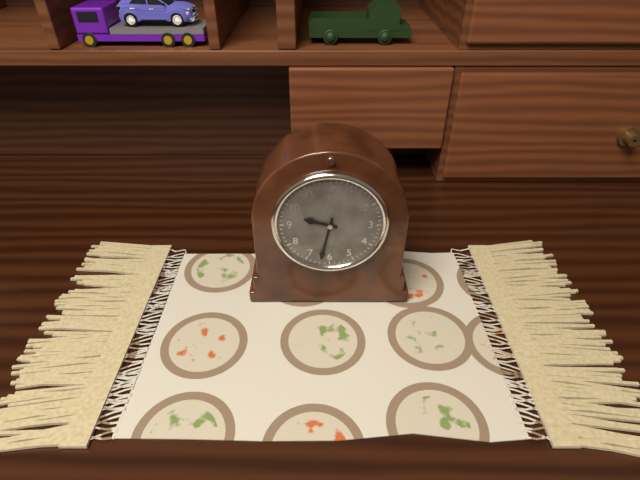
9:32
